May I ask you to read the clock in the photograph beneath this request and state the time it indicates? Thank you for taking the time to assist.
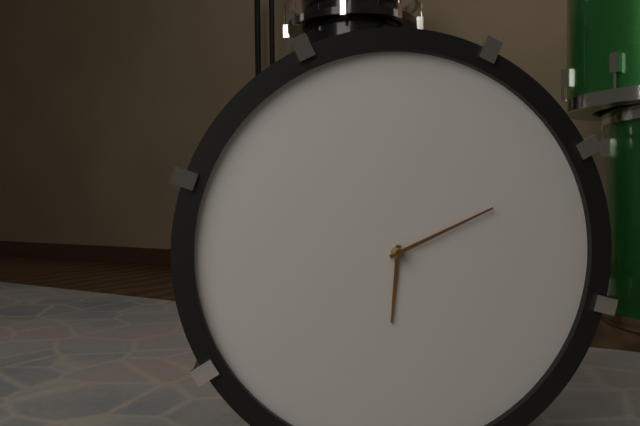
6:11
